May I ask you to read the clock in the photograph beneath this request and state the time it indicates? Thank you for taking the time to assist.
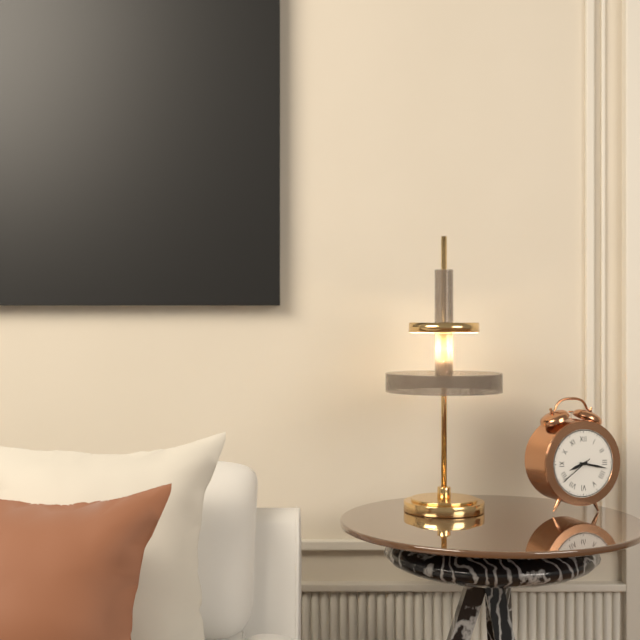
8:17
